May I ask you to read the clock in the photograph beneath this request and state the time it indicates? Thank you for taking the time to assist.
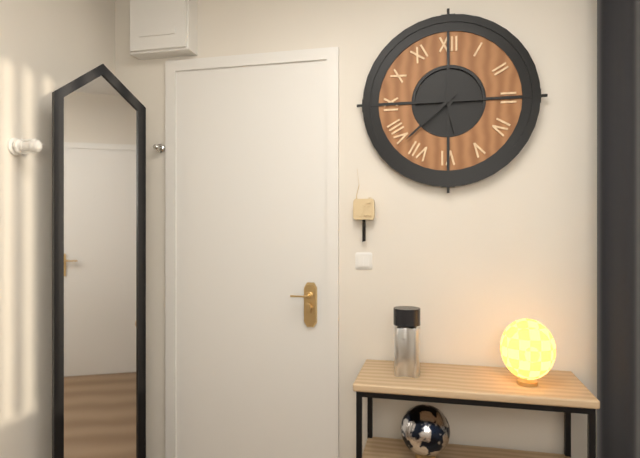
5:38
